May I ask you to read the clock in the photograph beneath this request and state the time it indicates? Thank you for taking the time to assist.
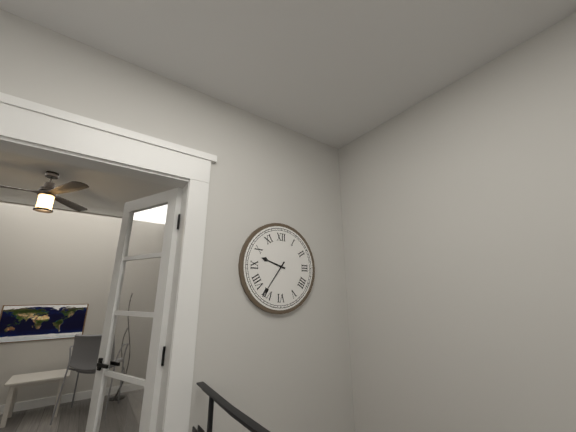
9:36
